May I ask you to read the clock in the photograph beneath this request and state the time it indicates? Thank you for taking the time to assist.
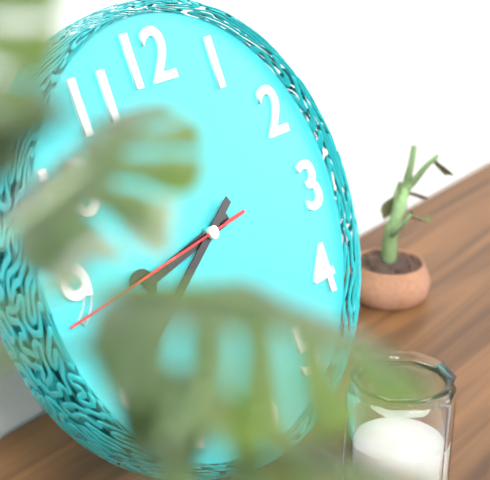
8:40:44
